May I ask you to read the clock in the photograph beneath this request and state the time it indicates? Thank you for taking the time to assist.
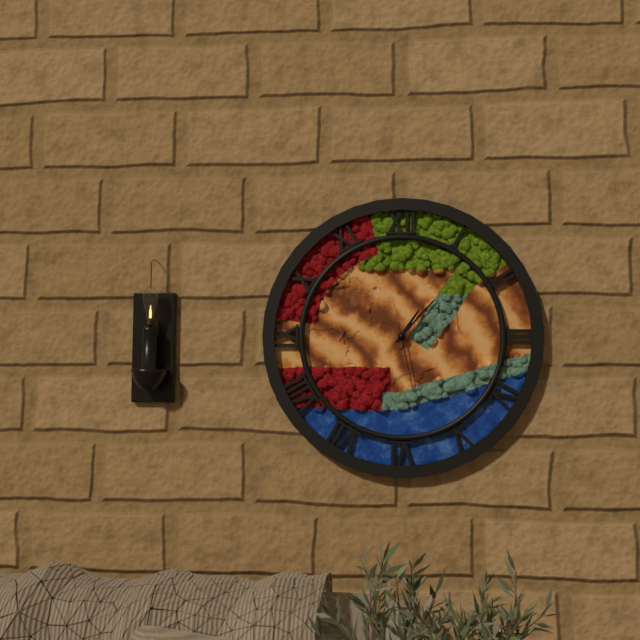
1:07:28
